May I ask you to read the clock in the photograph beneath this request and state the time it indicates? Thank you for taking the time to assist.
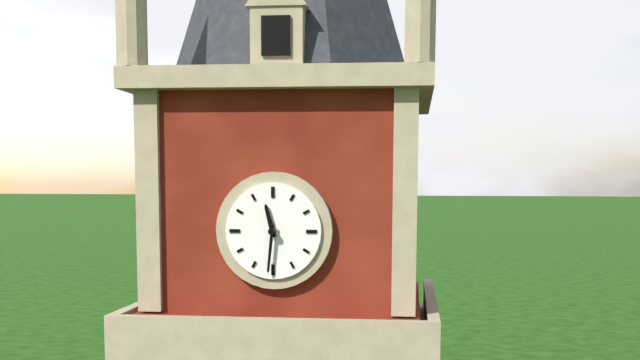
11:31
